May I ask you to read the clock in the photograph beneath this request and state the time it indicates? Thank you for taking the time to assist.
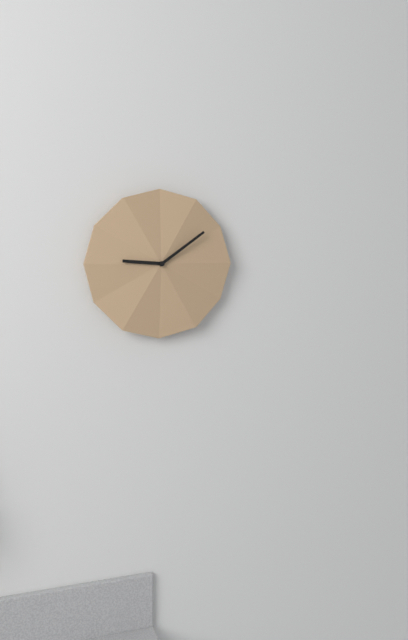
9:09
